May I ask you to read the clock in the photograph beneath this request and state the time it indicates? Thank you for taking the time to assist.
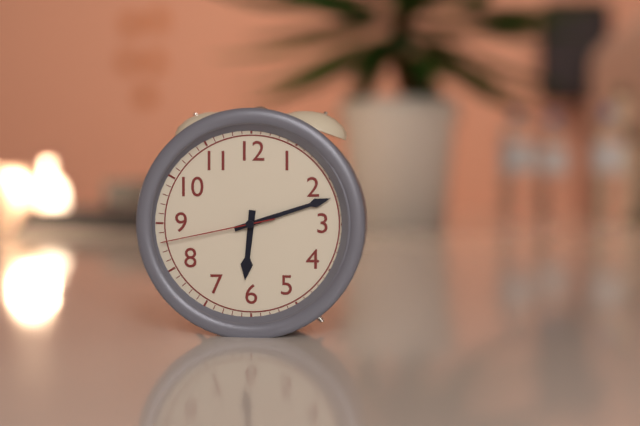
6:12:43
